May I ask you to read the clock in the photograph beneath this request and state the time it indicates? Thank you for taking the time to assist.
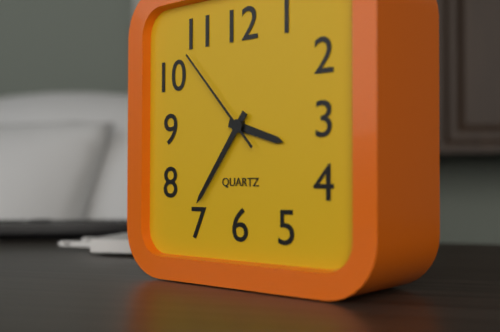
3:36:53
